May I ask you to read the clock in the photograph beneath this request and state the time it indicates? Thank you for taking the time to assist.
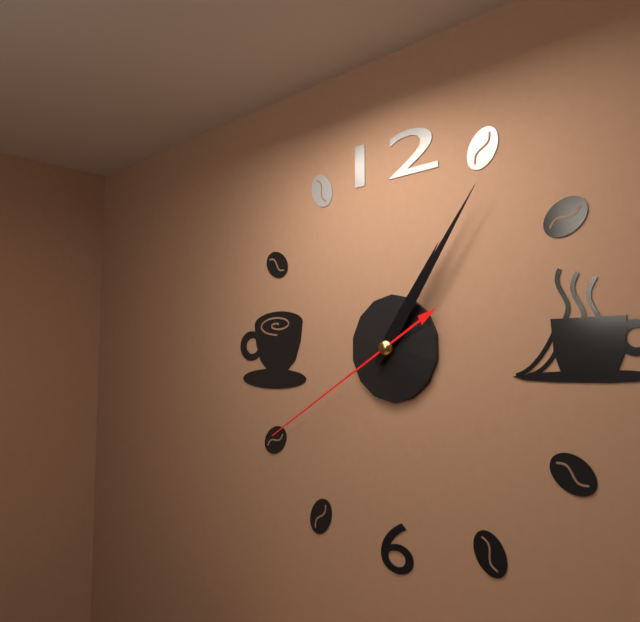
1:06:40
